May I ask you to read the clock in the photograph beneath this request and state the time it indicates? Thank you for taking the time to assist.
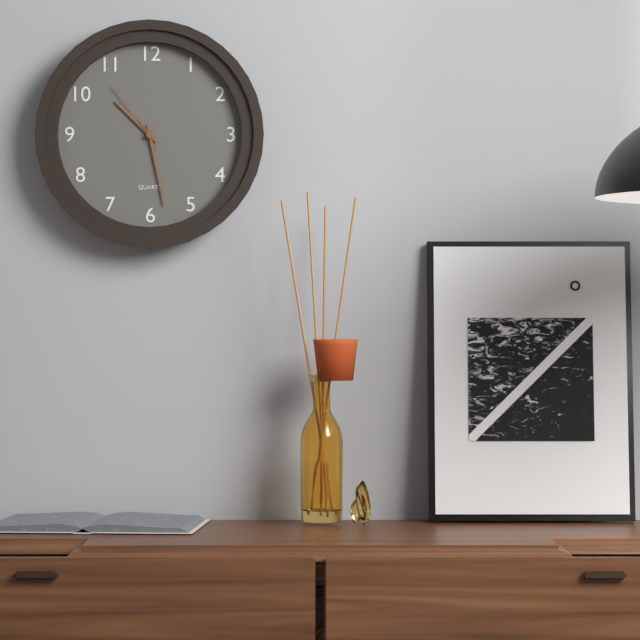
10:28:54
